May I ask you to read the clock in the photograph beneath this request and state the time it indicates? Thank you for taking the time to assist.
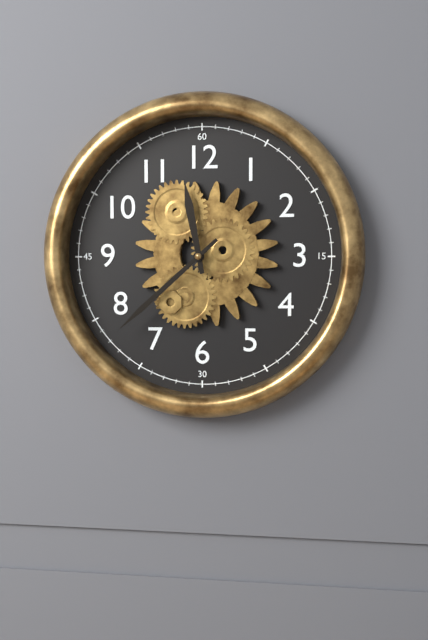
11:38
